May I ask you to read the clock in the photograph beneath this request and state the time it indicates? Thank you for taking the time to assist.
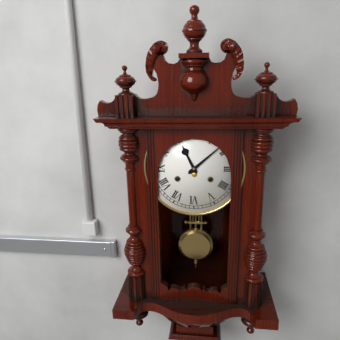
11:08
